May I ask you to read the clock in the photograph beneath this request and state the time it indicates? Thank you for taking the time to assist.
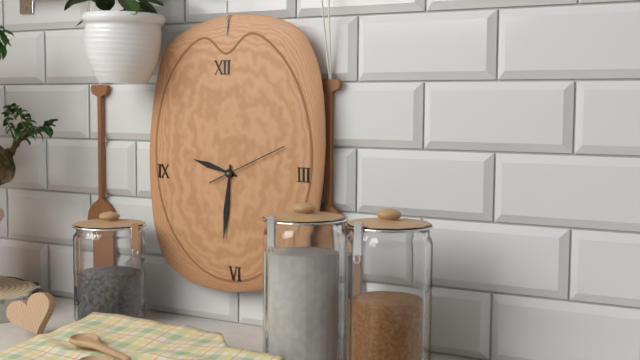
9:31:11
